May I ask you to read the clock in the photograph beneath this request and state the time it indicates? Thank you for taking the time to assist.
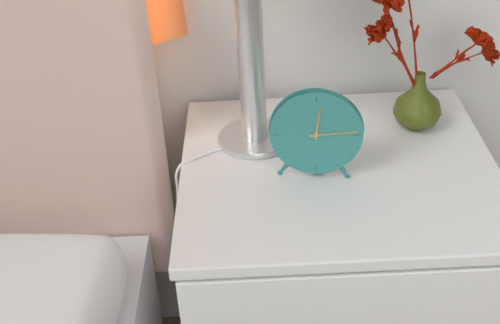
12:14
